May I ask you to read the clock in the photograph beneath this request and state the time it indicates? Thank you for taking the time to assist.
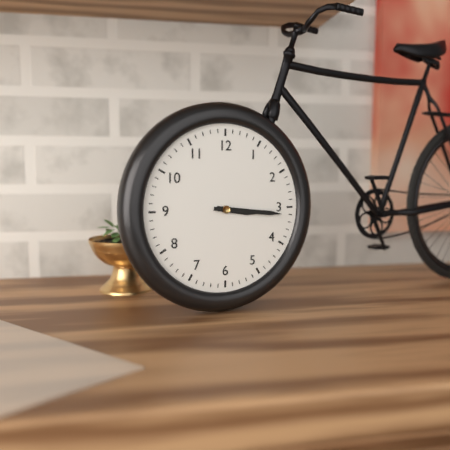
3:16
